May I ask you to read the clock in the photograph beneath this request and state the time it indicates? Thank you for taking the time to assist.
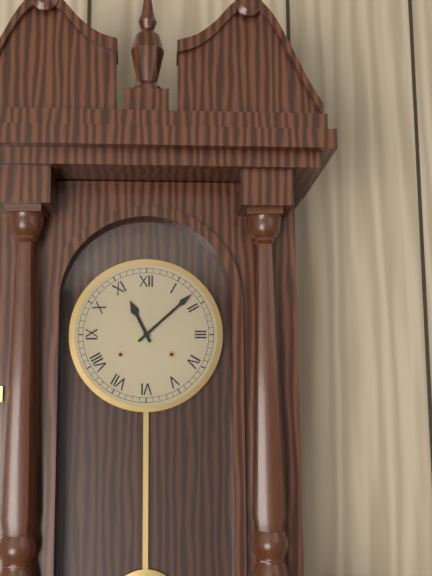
11:08
